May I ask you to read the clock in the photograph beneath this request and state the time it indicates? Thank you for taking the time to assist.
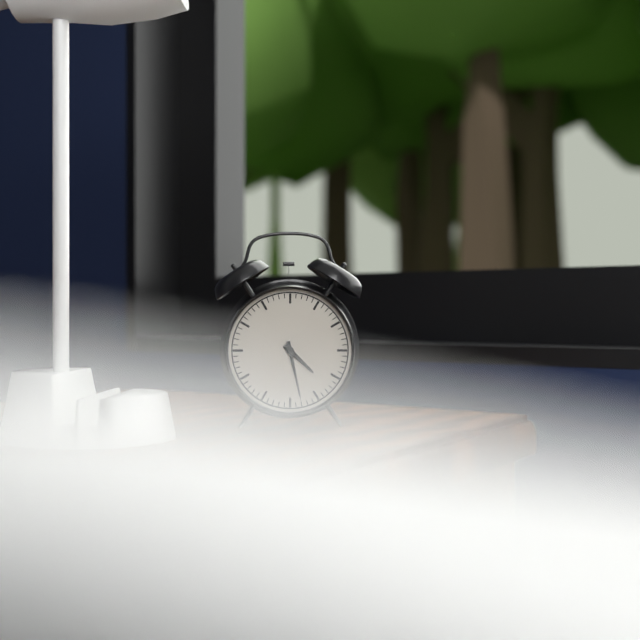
4:28
